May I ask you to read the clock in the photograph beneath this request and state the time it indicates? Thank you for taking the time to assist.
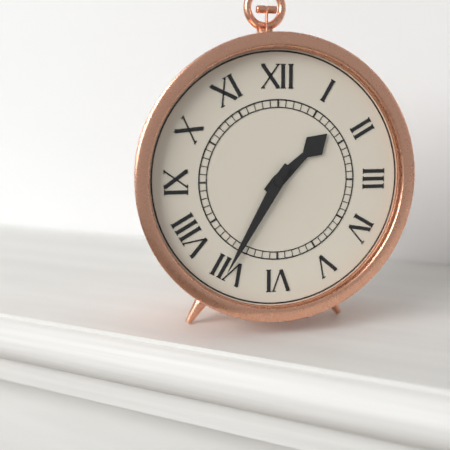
1:35
